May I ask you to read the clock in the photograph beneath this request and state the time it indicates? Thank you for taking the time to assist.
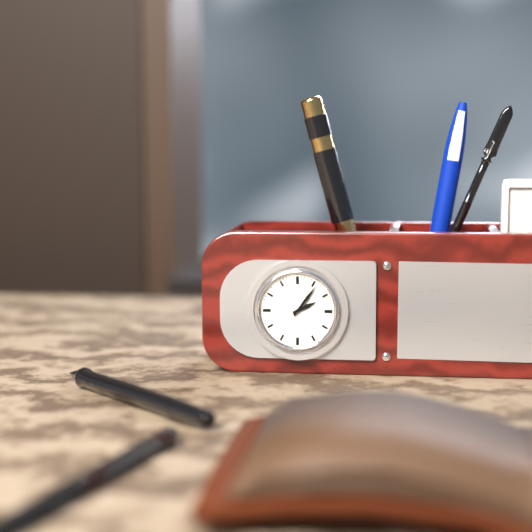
2:06
